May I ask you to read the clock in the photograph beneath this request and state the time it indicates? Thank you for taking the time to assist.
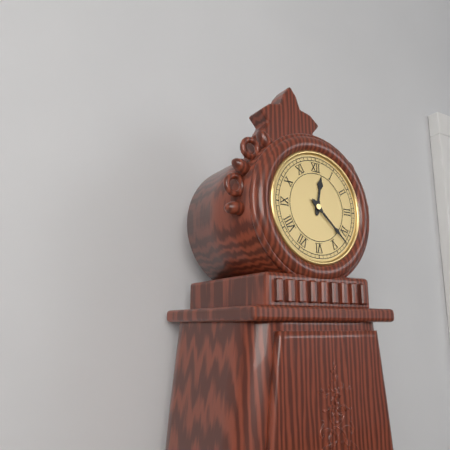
12:22
